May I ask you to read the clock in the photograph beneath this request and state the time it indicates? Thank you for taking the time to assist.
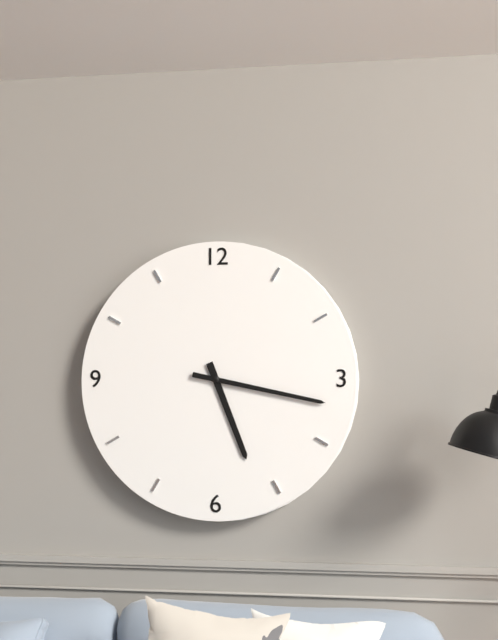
5:17
